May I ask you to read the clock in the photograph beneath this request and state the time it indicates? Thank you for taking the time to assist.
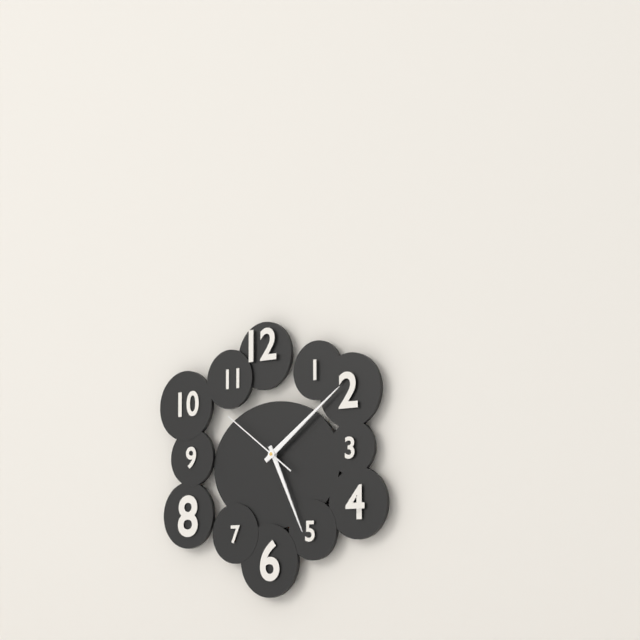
5:09:51
